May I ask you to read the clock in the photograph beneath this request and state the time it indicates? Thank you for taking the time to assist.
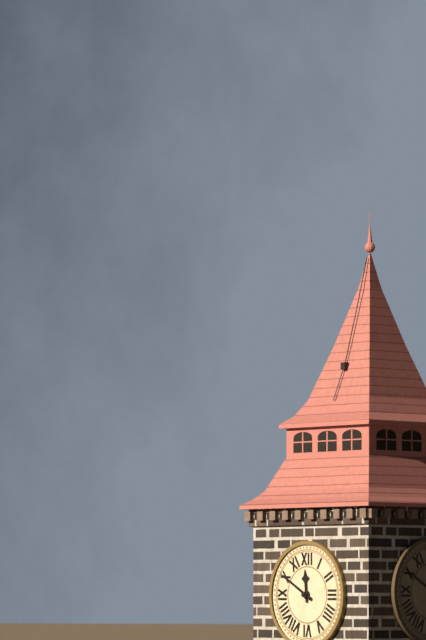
11:50
